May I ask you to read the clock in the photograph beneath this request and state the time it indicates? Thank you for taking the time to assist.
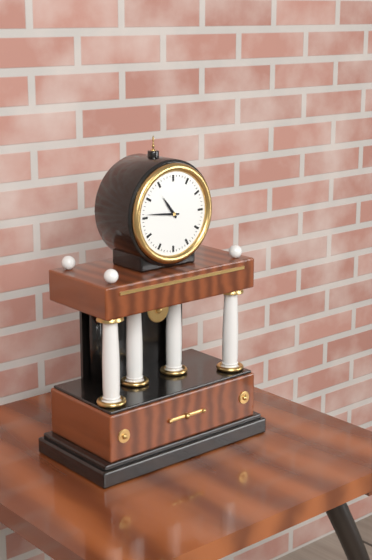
10:46
